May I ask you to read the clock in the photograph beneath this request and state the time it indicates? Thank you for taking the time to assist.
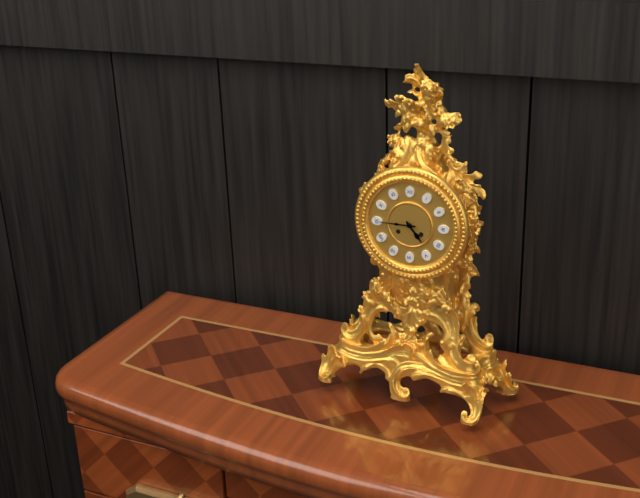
4:45
